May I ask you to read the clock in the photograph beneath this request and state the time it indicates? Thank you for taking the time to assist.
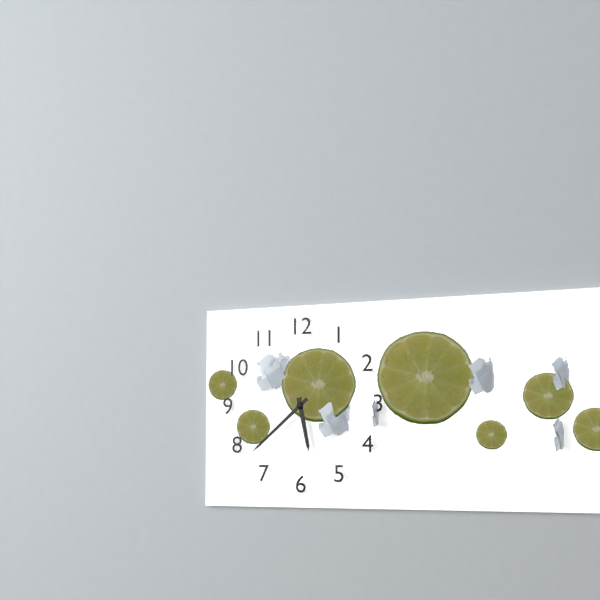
5:38
